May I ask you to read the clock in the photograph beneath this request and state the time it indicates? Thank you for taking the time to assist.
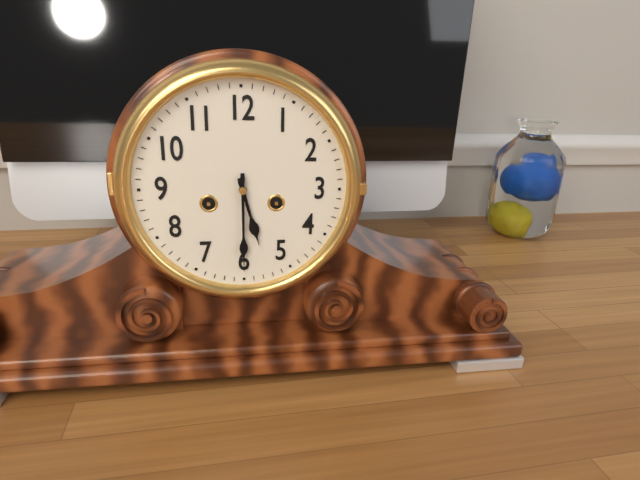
5:30
